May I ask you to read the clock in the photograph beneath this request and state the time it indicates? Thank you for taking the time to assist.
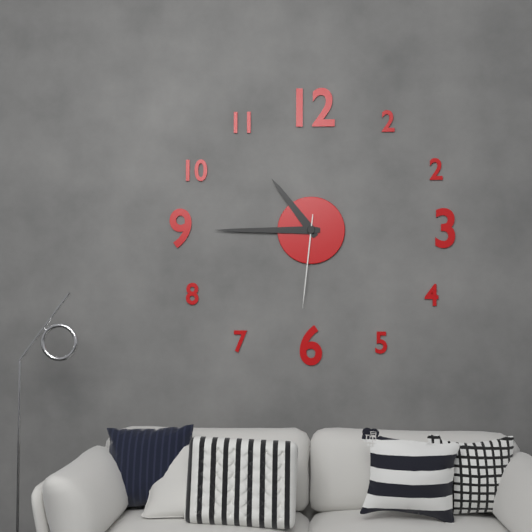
10:45:31
